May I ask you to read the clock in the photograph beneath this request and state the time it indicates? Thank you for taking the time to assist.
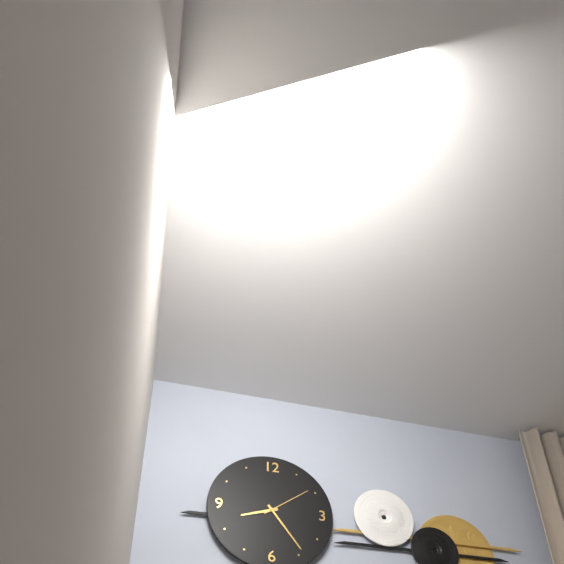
8:24:09
